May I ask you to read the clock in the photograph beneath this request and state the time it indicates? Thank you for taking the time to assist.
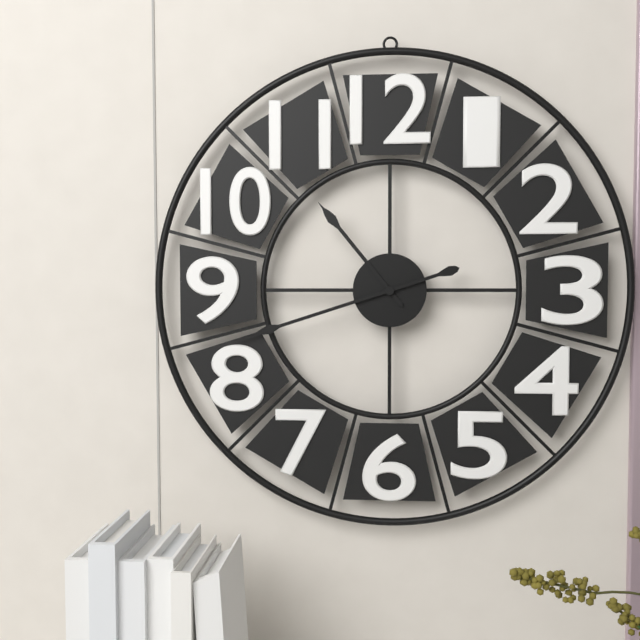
10:42
